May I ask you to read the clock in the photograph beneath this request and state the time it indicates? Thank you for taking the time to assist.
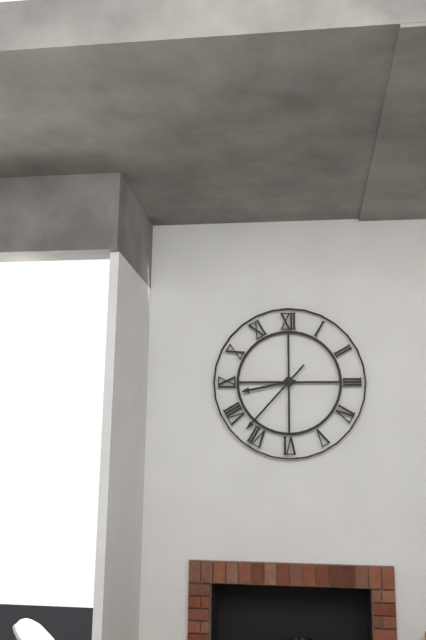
8:37
